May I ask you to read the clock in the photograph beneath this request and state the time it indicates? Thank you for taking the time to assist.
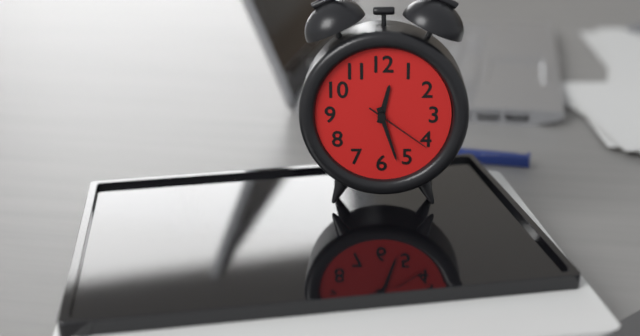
12:27:21
